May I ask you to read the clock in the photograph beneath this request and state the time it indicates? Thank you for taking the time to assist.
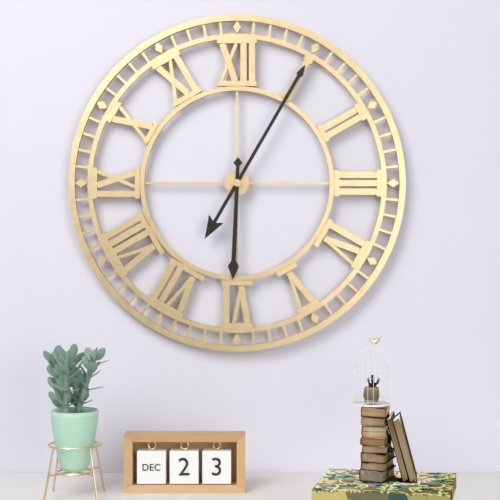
6:05
